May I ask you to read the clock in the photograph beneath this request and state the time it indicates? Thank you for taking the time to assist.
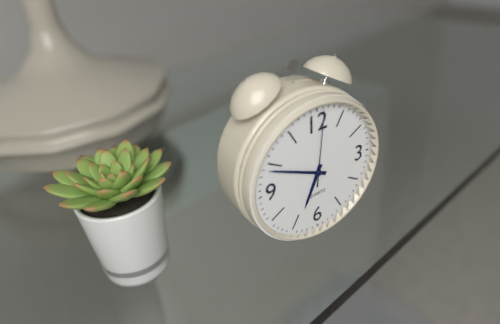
6:49:01
